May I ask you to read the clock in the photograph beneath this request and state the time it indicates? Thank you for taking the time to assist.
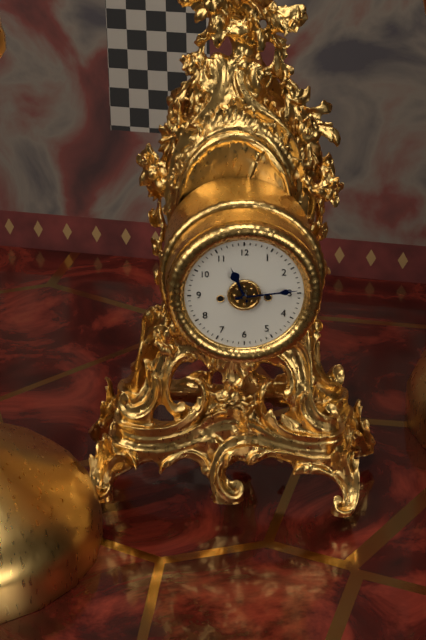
11:14
